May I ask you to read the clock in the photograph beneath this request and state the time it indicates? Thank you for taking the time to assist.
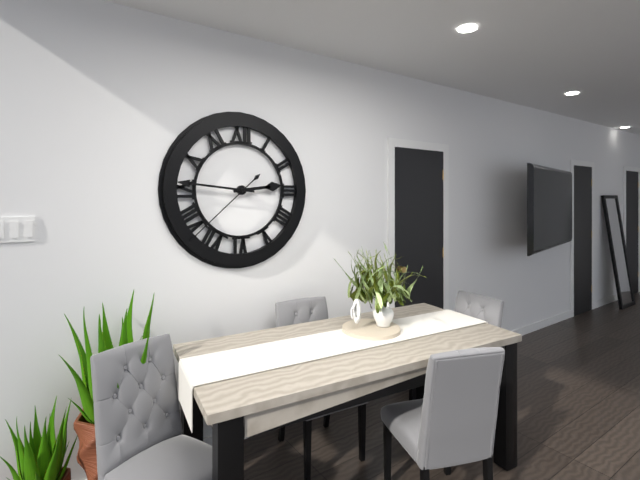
2:46:38
